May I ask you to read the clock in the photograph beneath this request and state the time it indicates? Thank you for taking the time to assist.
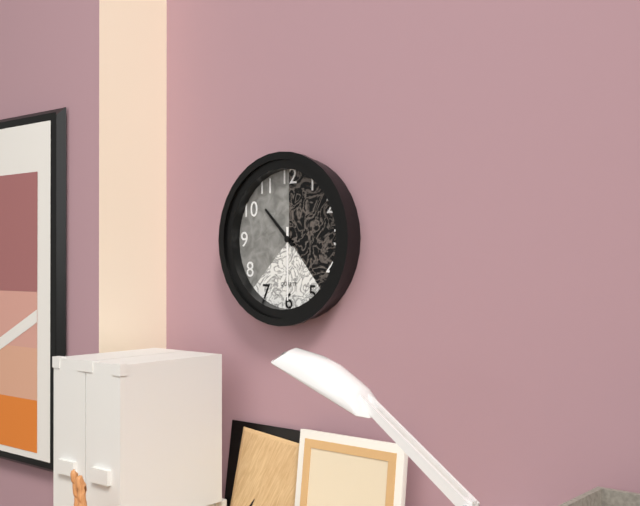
10:30
